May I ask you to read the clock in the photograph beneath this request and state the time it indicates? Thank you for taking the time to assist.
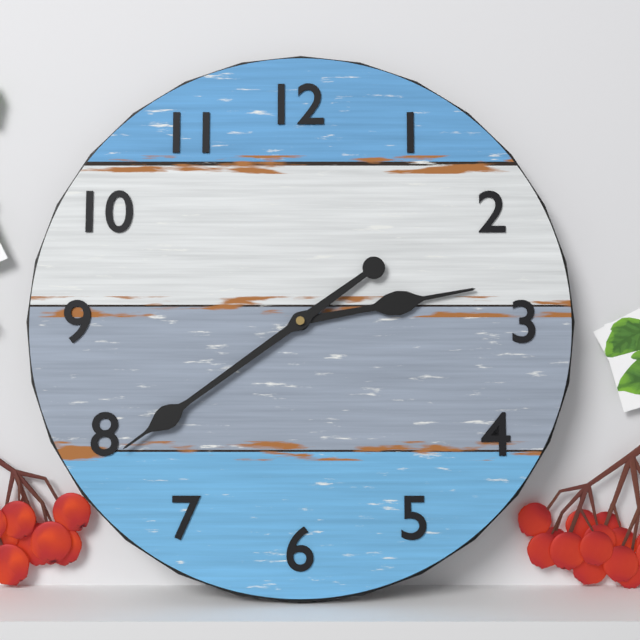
2:39
